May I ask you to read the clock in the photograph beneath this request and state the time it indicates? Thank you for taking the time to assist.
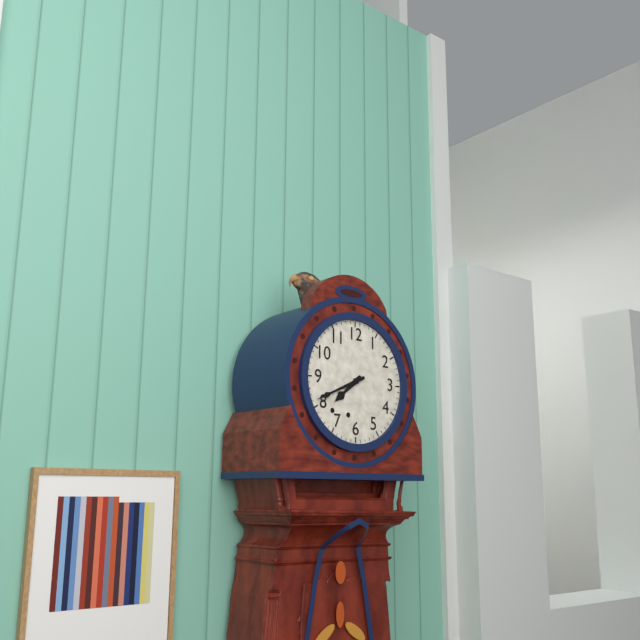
7:41
